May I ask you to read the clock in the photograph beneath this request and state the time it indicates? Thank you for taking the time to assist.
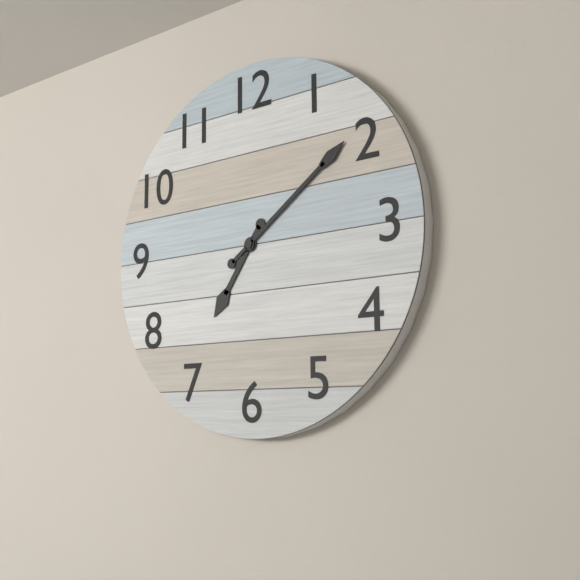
7:09
